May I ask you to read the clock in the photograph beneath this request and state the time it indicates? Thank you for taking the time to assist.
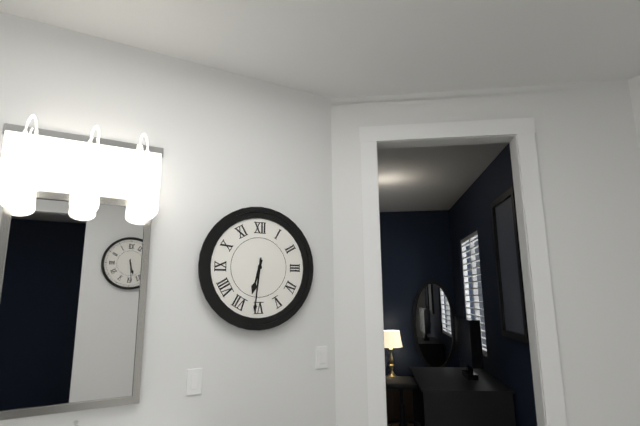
6:31
